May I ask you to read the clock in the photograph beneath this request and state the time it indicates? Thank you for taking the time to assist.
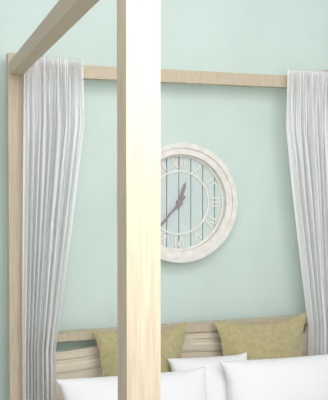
12:37
